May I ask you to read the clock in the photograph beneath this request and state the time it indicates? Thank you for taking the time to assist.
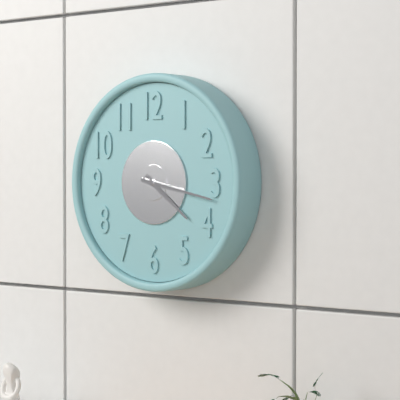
4:17
